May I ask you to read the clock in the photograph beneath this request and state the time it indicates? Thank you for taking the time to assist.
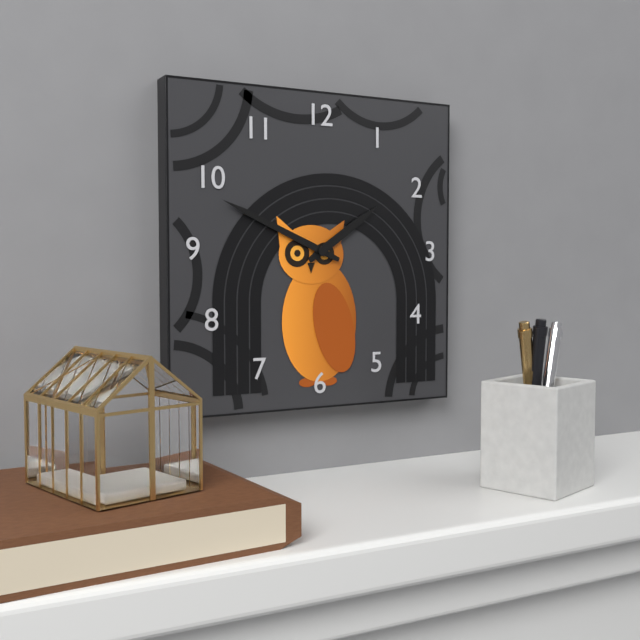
1:49
